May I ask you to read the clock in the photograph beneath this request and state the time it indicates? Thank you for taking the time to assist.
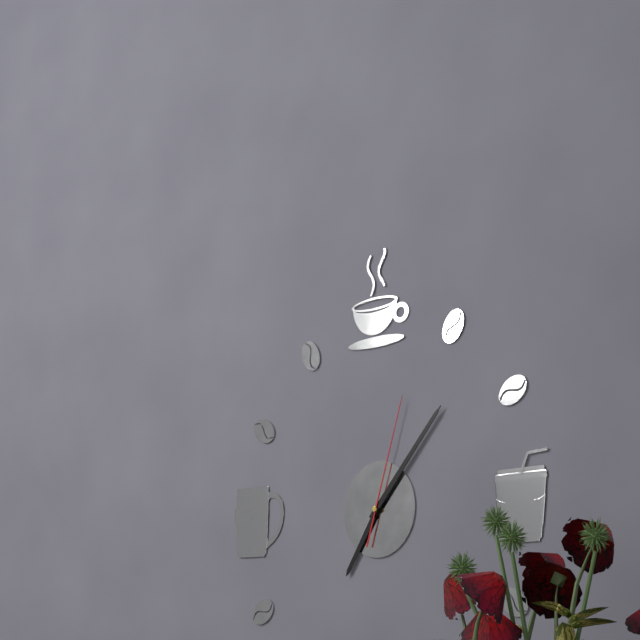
7:07:03
